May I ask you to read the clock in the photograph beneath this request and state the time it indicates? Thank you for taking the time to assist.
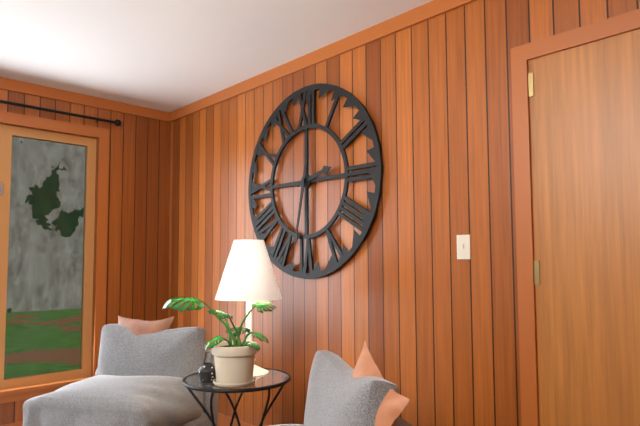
2:32
